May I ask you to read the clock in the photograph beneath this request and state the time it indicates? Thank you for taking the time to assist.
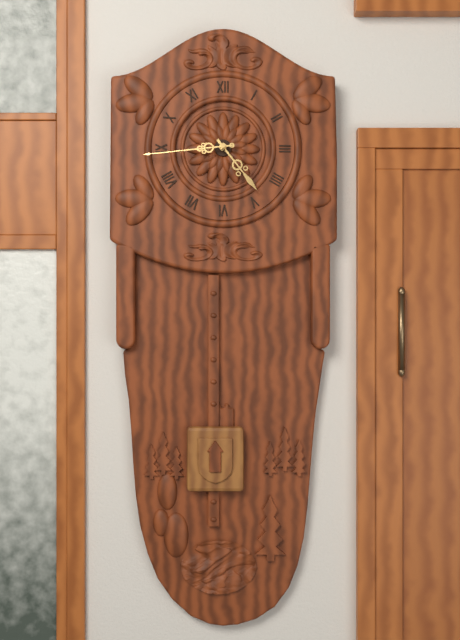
4:44
